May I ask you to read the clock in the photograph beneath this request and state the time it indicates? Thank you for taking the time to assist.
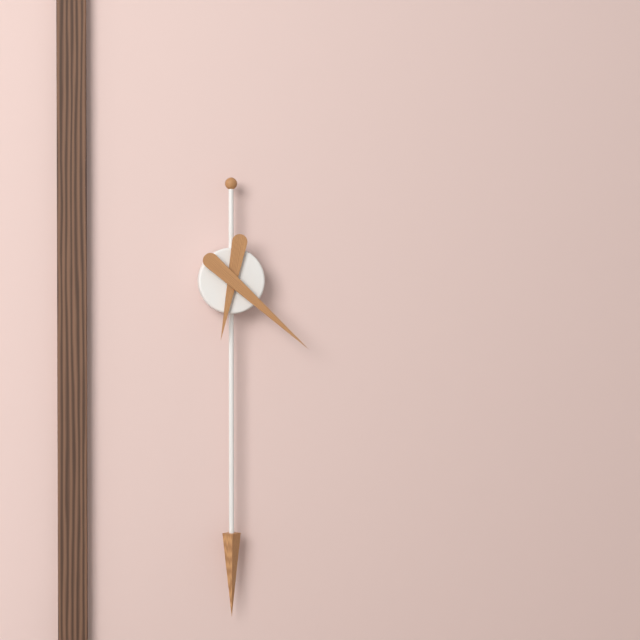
6:22
